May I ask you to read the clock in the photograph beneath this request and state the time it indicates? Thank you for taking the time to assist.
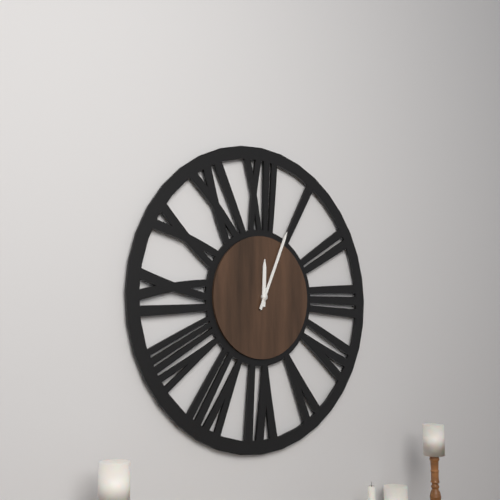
12:04
